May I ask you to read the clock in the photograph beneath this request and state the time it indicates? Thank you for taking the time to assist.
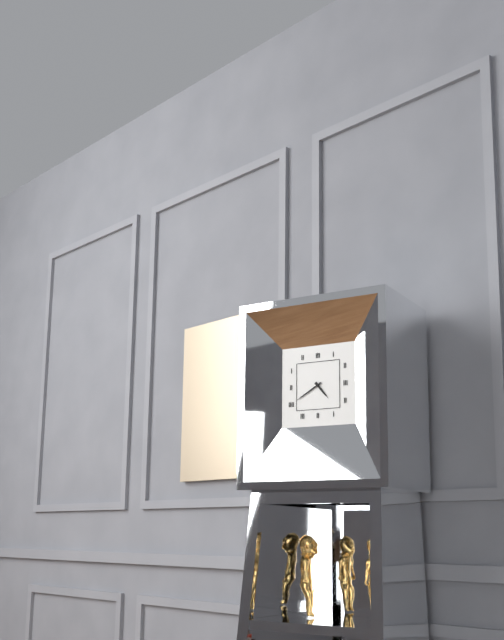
4:40
